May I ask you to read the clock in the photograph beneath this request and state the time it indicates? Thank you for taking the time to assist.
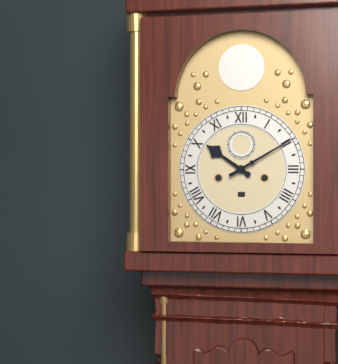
10:10
